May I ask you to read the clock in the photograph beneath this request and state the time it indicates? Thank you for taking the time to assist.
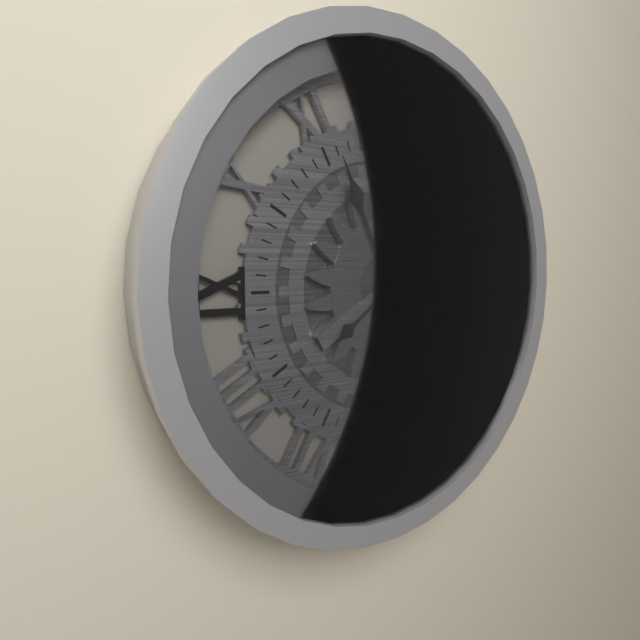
11:09
